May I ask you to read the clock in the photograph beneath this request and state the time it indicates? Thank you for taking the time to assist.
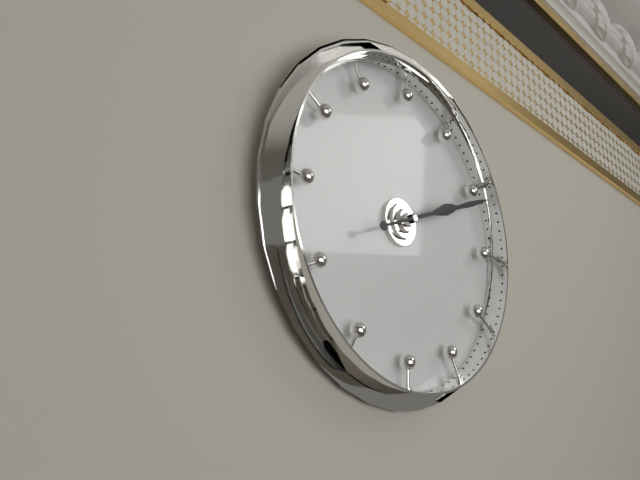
2:11
